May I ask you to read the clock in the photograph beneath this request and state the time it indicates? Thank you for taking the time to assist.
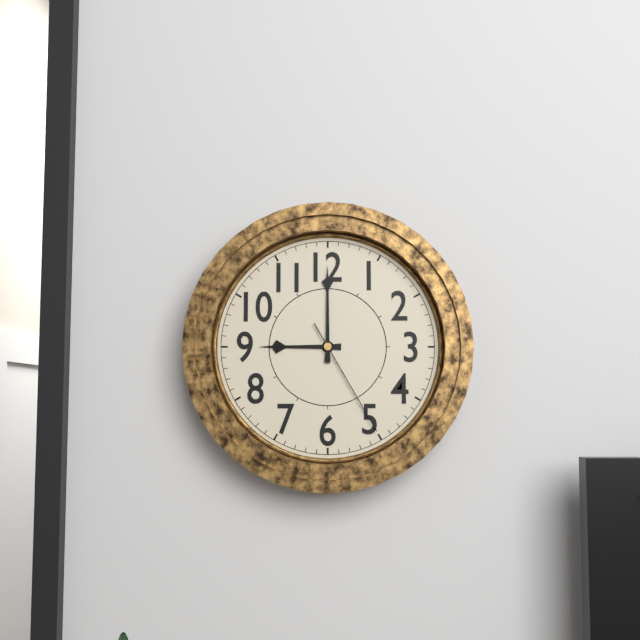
9:00:25
